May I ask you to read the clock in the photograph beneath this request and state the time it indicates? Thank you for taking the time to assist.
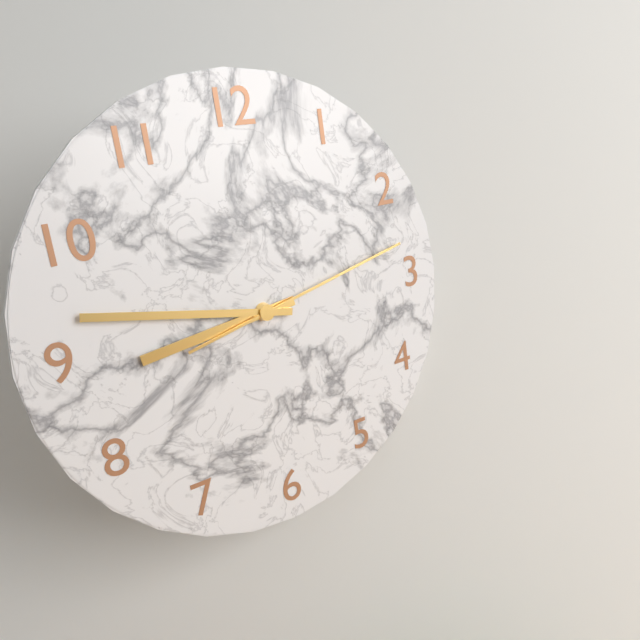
8:47:13
